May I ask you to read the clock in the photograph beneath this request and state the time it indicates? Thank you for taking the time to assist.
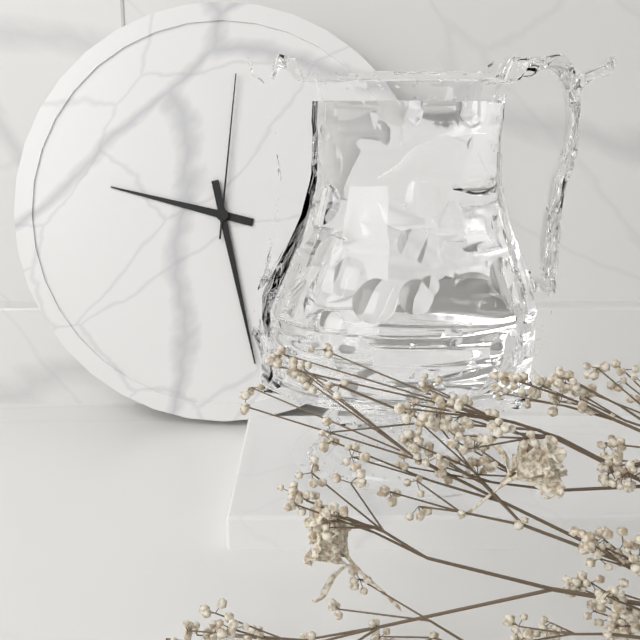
9:28:01
